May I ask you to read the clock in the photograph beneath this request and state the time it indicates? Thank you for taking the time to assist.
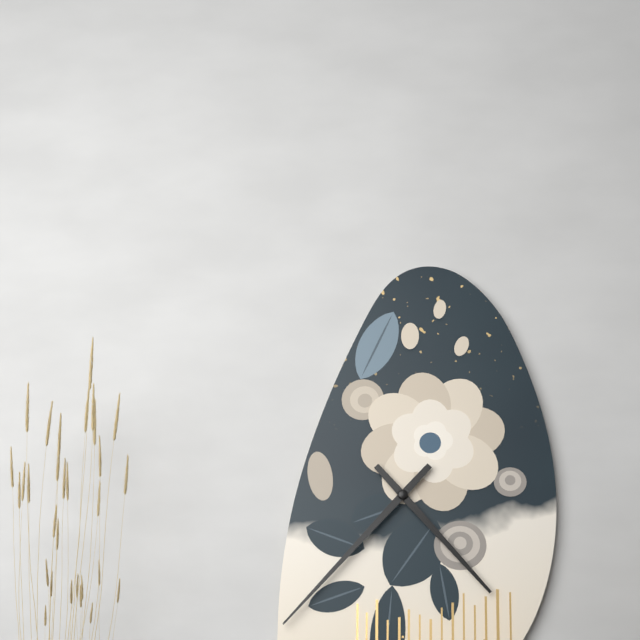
4:37
